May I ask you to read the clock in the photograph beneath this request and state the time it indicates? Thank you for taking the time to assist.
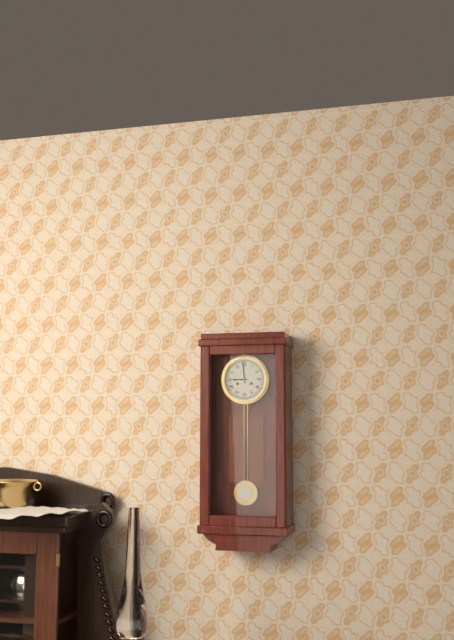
8:59
